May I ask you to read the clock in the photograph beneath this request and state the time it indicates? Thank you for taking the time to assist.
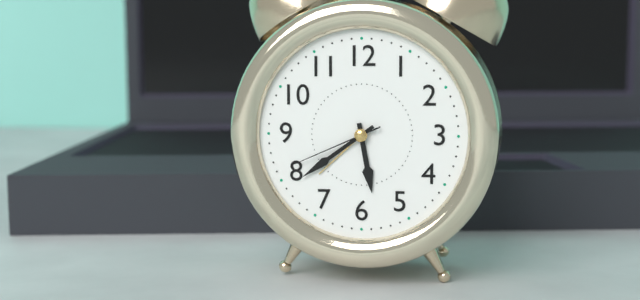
5:39:41
